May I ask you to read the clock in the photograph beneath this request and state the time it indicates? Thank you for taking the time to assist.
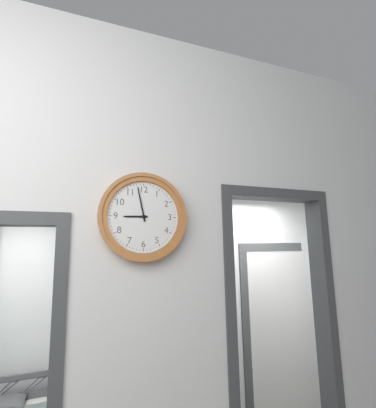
8:58
